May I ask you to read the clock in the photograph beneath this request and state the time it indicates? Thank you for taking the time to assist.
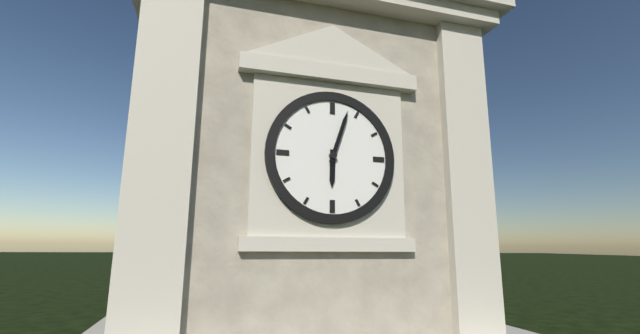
6:03
